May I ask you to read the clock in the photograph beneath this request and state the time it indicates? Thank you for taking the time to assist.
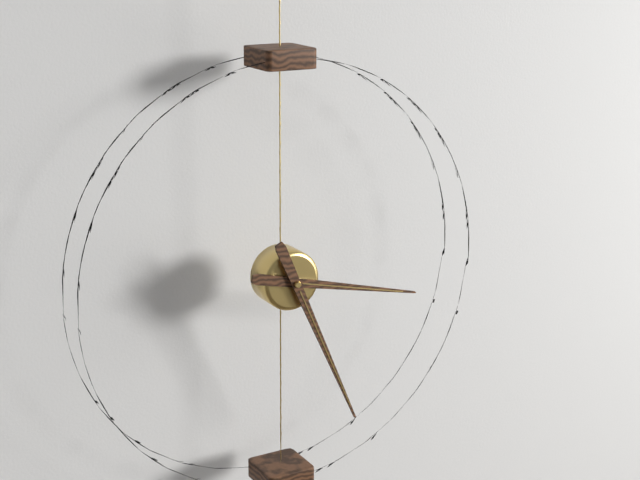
3:26
